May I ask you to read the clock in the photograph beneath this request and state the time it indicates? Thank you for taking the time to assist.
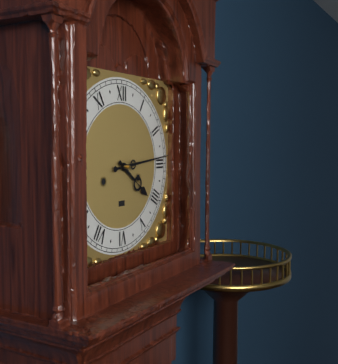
4:14
